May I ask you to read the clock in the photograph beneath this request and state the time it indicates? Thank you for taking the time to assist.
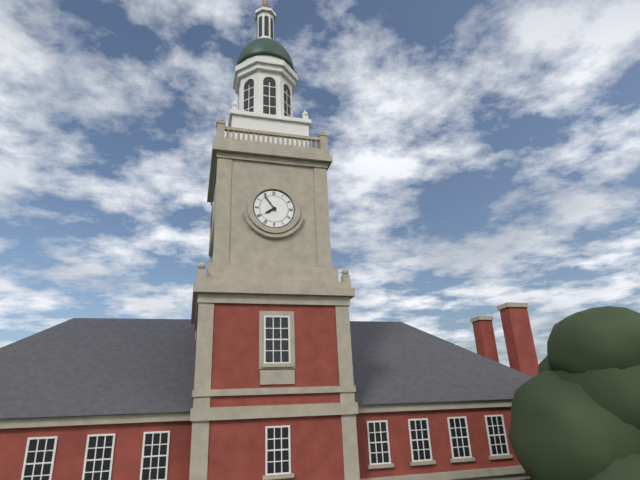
7:54
